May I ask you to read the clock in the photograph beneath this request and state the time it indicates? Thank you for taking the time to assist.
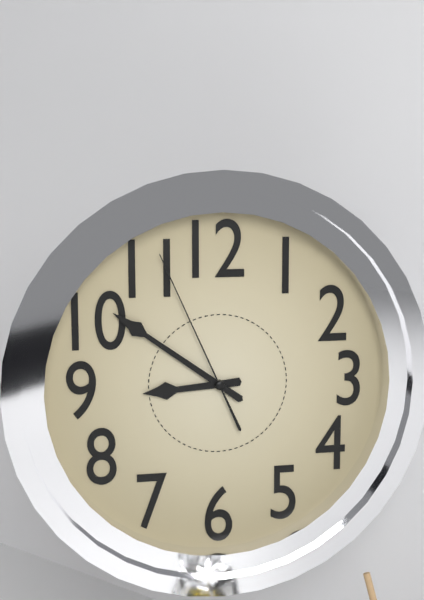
8:51:56
